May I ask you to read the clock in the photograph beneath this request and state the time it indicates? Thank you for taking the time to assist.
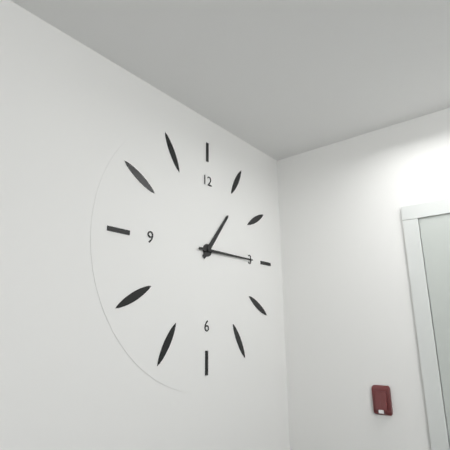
1:15
